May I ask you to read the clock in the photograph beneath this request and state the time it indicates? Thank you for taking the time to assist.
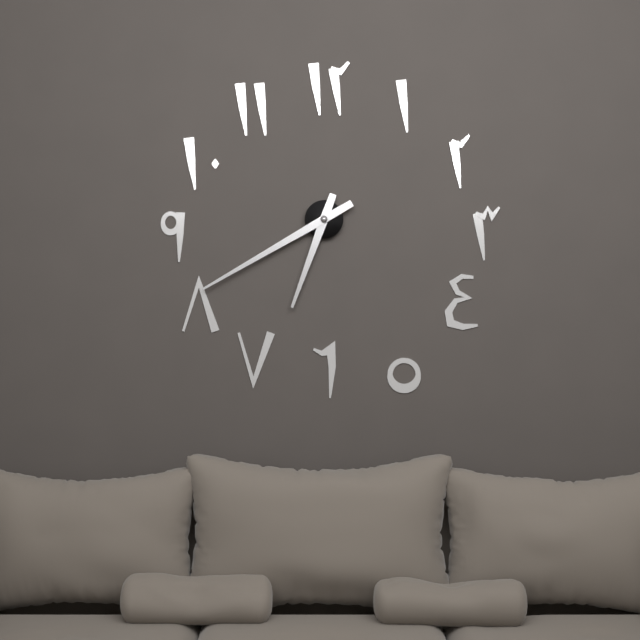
6:40
